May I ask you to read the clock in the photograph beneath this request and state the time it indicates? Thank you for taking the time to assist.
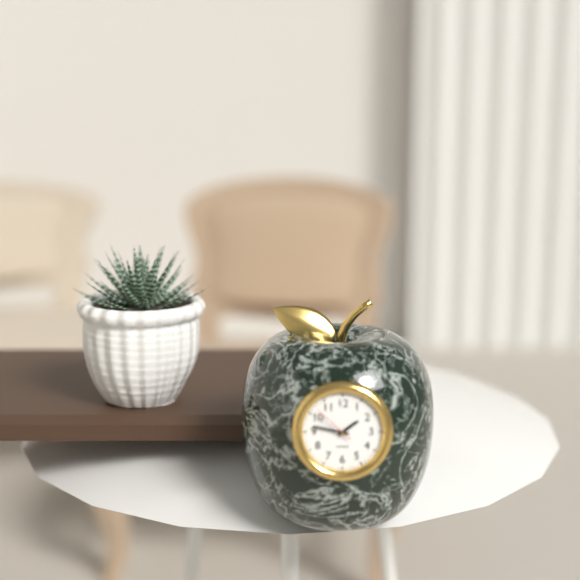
1:47
